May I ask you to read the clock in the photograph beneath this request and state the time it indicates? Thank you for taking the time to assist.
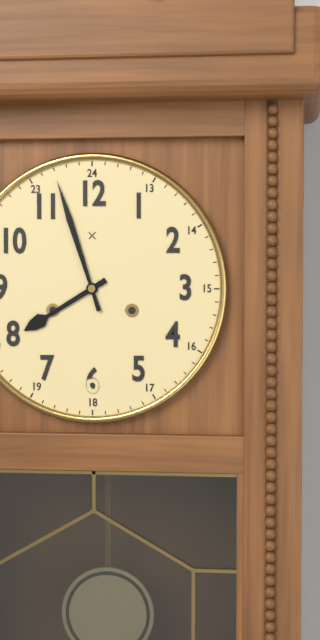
7:57
